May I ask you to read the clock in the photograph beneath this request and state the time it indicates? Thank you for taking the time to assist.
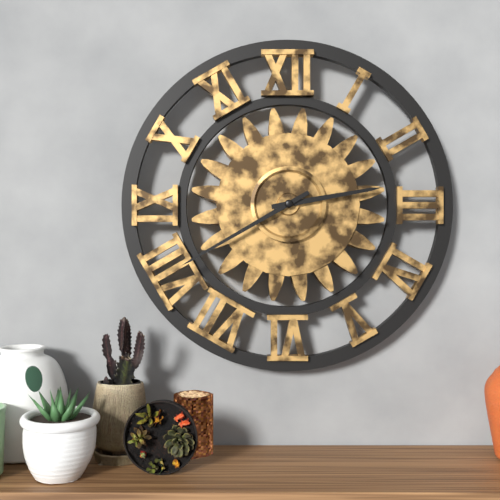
2:40
